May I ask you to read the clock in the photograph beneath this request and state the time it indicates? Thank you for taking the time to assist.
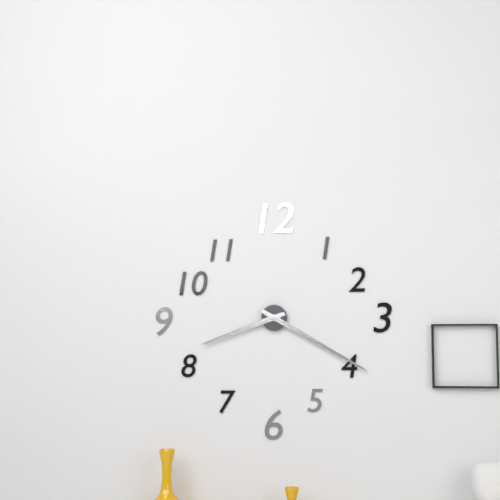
8:20
